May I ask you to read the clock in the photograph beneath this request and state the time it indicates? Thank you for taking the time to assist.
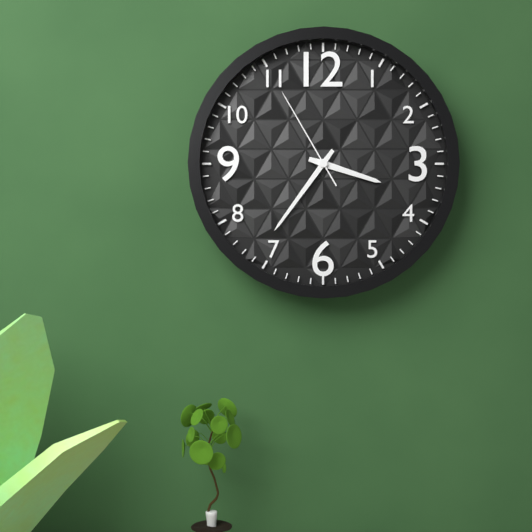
3:36:55
